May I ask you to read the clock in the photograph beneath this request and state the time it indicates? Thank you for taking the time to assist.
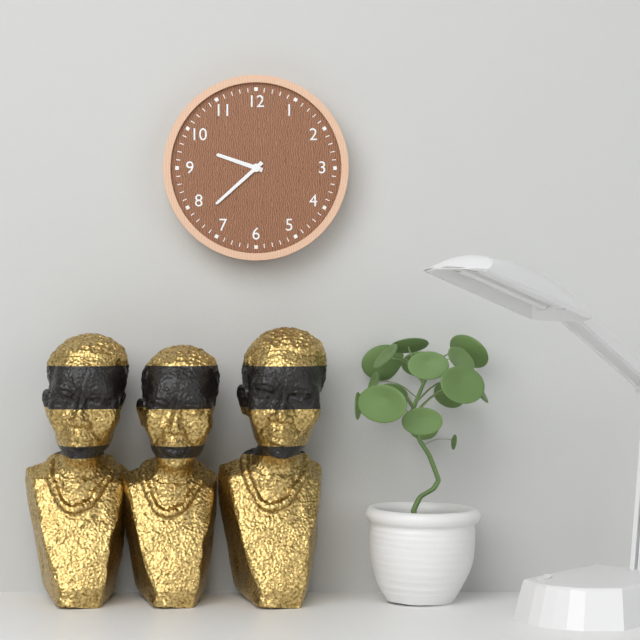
9:38
